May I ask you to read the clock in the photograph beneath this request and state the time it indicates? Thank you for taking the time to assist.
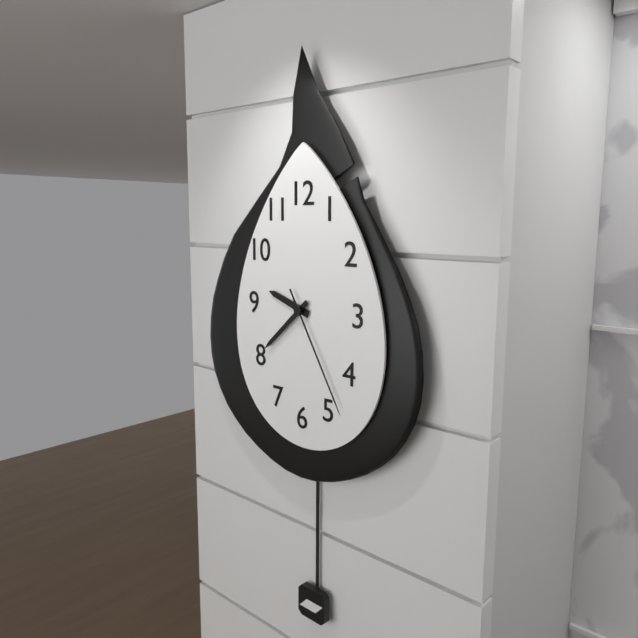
9:38:25
